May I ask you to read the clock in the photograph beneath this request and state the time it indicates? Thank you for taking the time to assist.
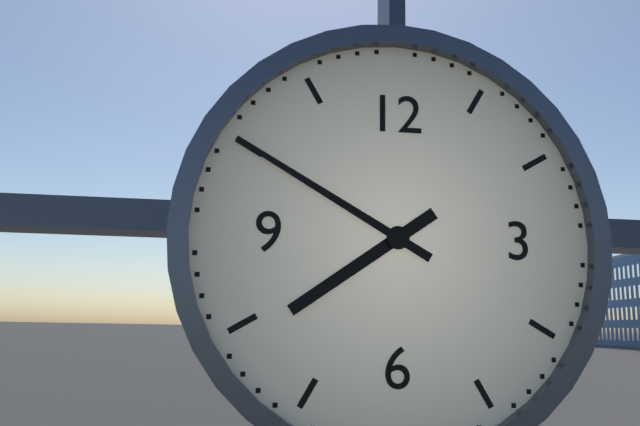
7:50
